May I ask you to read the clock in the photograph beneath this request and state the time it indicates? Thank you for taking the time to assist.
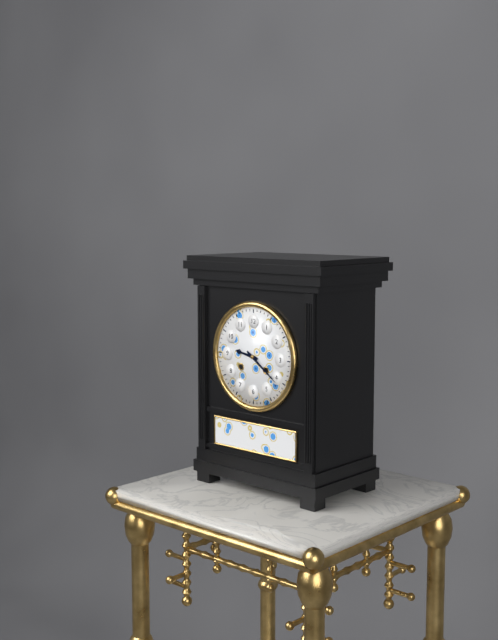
9:21
